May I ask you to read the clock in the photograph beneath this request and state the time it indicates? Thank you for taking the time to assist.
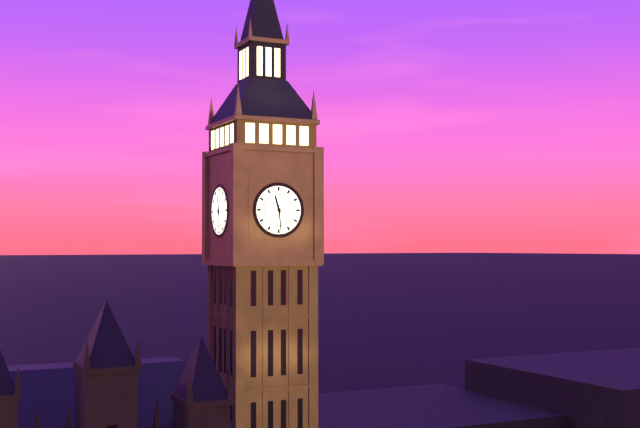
11:29
